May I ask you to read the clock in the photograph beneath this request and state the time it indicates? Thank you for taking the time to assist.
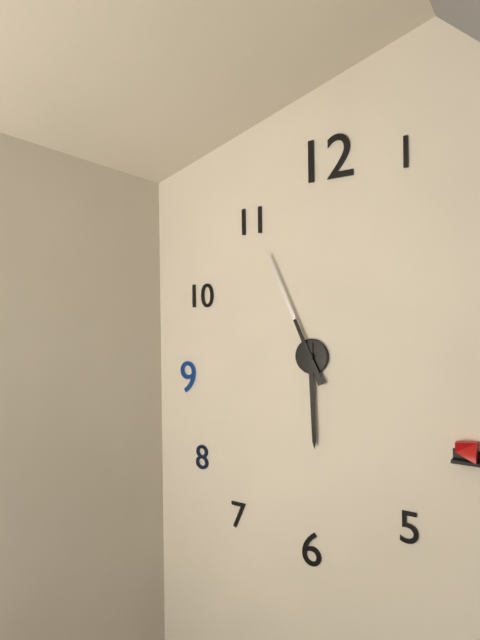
5:56
